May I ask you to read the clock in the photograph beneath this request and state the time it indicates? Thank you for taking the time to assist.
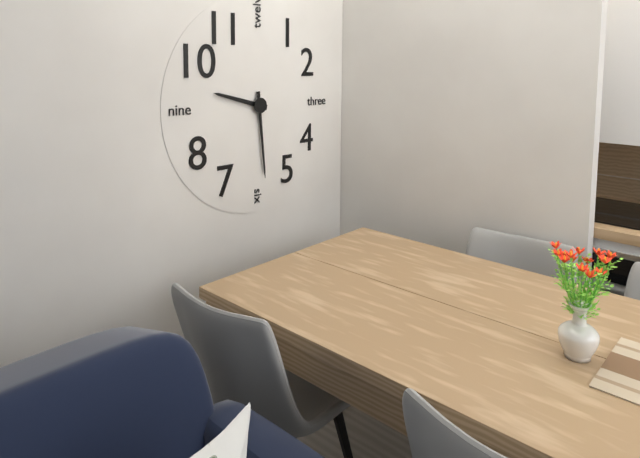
9:29
